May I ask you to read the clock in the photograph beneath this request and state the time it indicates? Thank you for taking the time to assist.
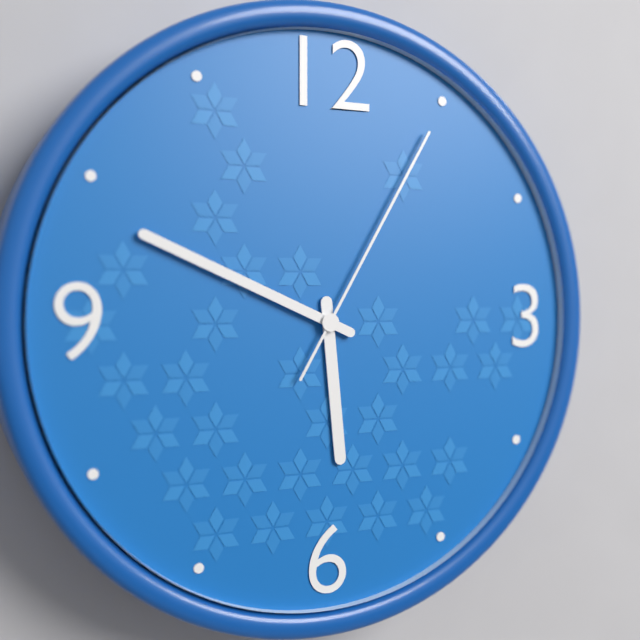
5:49:05
